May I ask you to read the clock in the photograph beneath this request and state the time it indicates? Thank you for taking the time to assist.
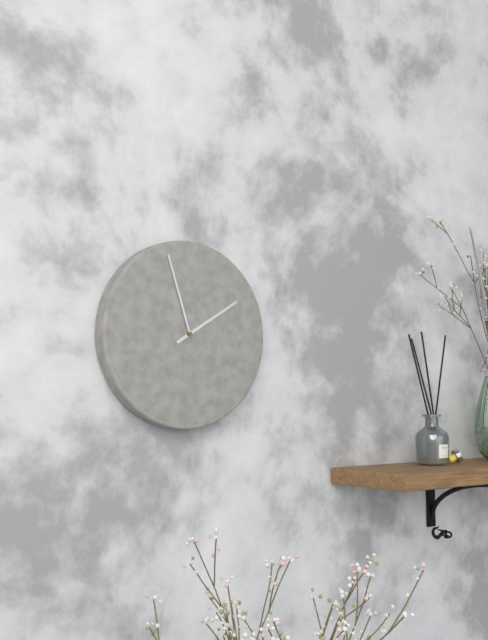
1:57
